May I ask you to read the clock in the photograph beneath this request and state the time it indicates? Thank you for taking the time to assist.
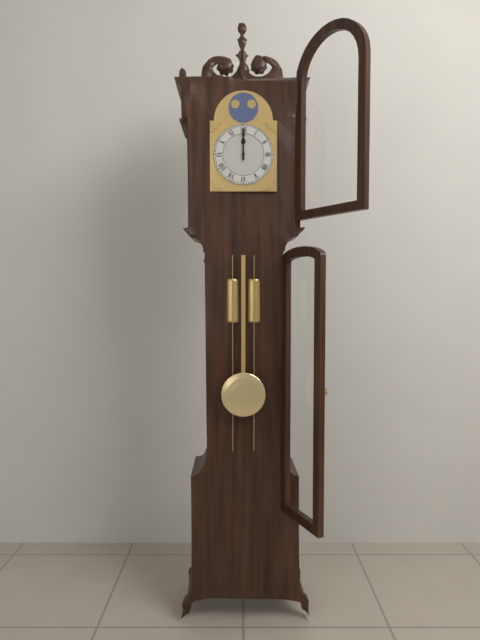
12:00
